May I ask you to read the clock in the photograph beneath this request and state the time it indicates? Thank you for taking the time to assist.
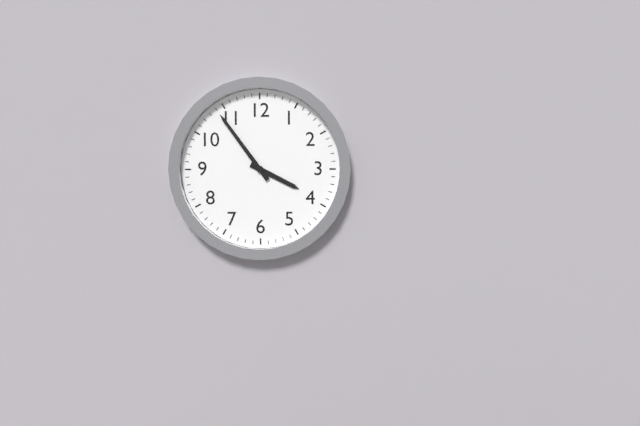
3:54
